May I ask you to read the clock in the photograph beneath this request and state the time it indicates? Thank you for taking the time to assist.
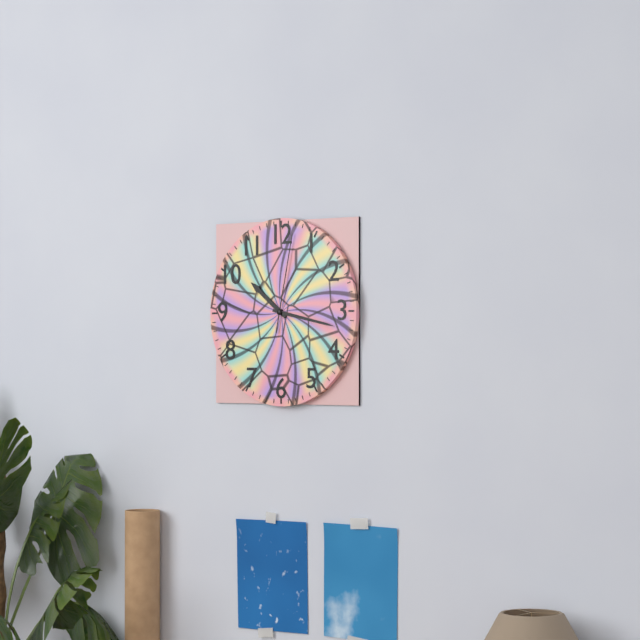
10:17:02
